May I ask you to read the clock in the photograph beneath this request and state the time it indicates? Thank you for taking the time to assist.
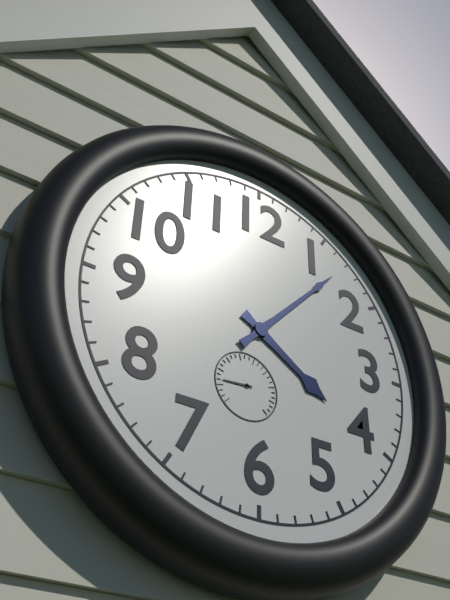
4:07
